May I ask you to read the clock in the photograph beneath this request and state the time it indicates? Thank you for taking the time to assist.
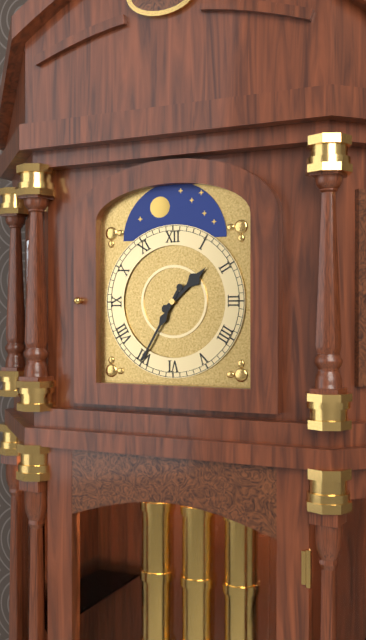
1:35
